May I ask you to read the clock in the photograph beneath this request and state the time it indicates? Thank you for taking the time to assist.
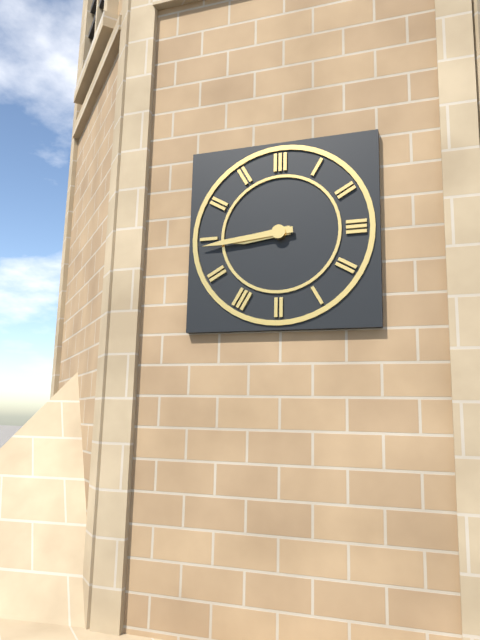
8:44
